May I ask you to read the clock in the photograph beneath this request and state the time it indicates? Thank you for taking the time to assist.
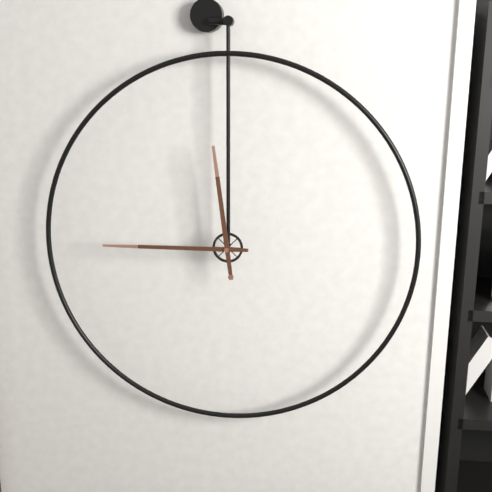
11:45
